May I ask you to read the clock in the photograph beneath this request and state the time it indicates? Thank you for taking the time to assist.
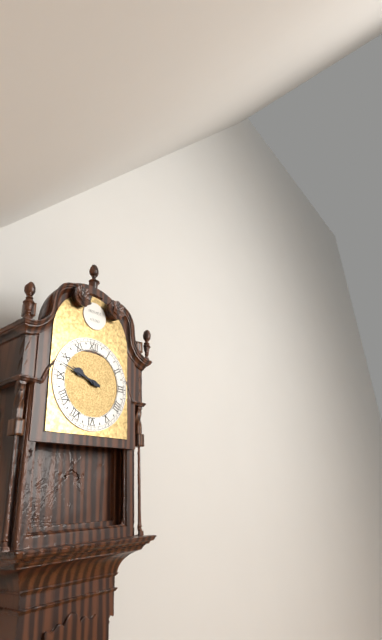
9:48
